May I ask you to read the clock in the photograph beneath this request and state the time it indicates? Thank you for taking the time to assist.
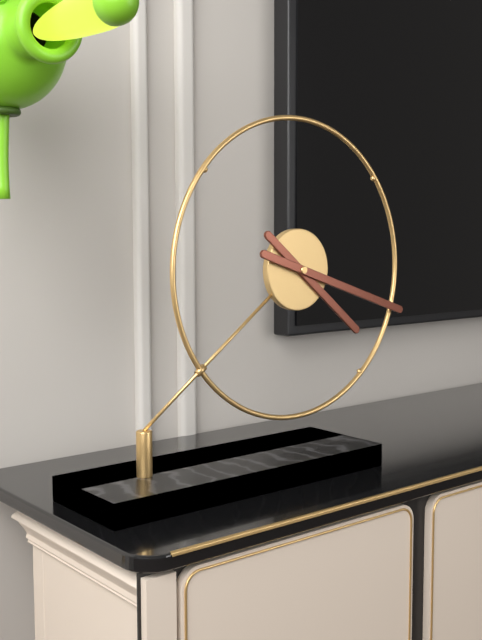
4:18
